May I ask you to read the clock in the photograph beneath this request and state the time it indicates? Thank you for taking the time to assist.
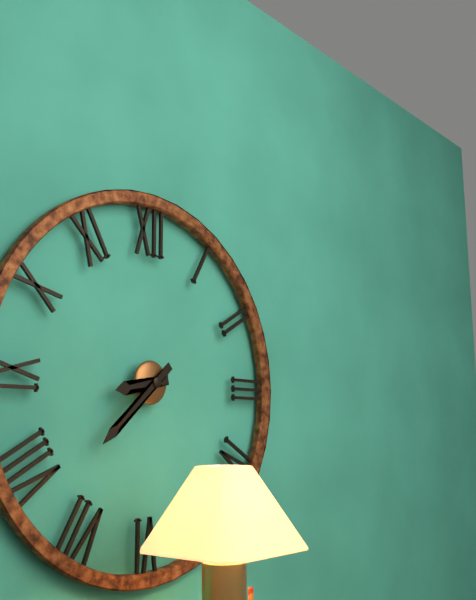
8:38
